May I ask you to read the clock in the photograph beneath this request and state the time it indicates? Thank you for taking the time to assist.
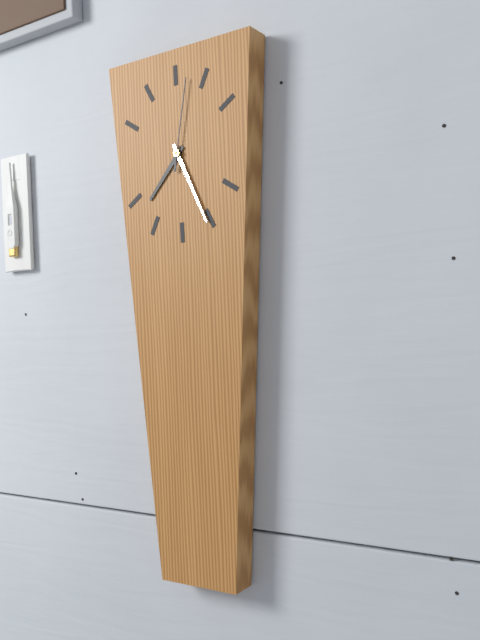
7:26:02
